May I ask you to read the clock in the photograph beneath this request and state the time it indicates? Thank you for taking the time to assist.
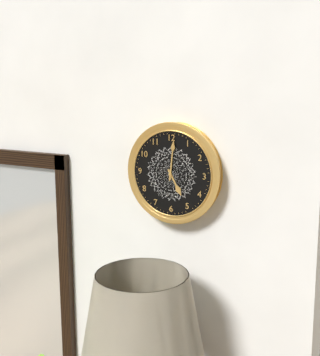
5:01
